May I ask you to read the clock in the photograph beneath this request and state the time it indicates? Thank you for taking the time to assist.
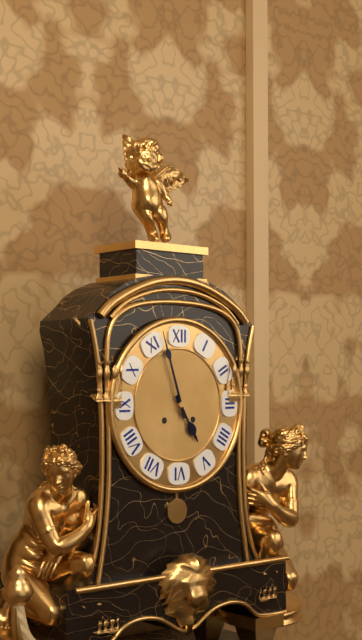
4:57
